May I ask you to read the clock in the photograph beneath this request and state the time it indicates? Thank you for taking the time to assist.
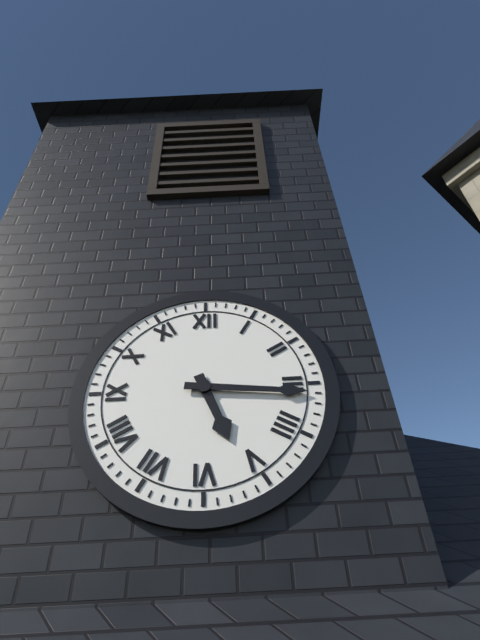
5:16
